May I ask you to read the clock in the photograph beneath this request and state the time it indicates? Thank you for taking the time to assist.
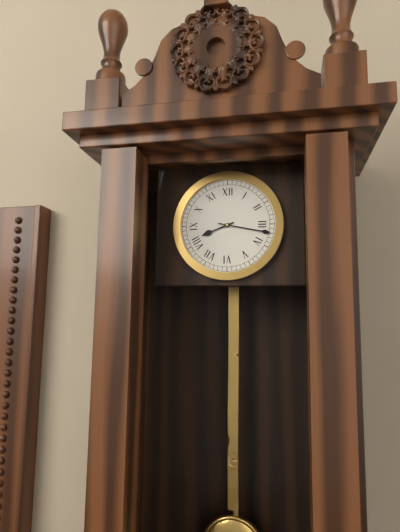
8:17
